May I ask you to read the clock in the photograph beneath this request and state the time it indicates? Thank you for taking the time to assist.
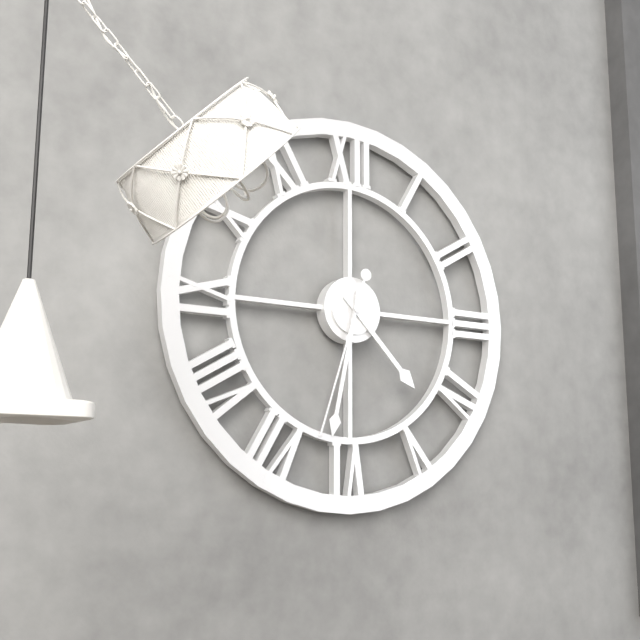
4:32:33
